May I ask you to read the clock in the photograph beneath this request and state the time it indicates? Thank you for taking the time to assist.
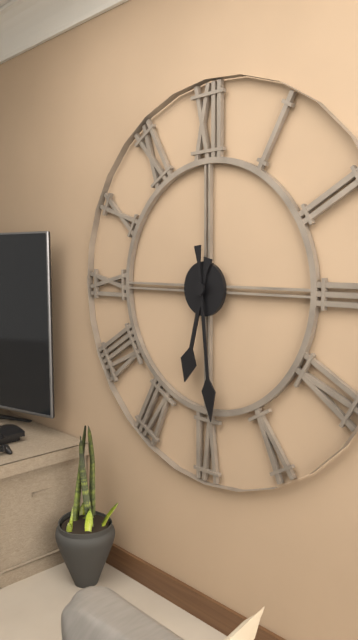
6:29
